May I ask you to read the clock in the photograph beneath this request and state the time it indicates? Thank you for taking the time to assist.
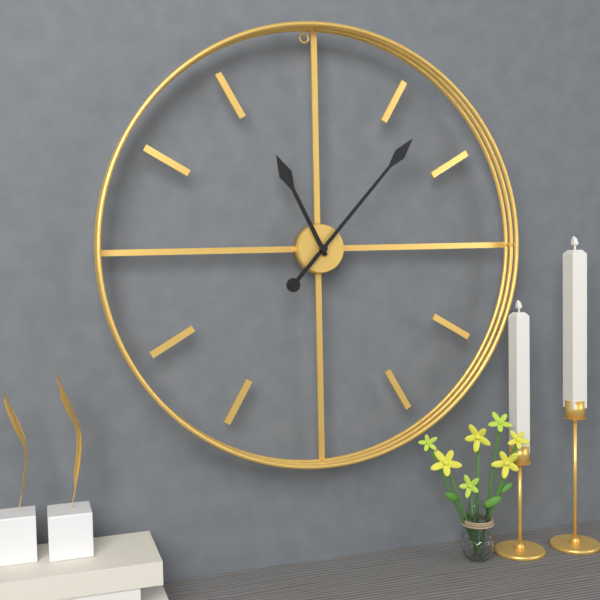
11:07
